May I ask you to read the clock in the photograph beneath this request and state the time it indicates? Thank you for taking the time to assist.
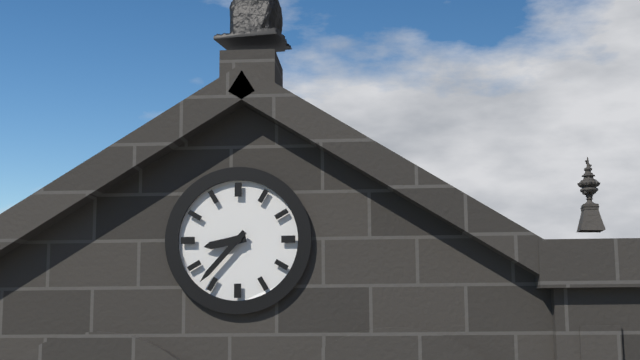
8:37
